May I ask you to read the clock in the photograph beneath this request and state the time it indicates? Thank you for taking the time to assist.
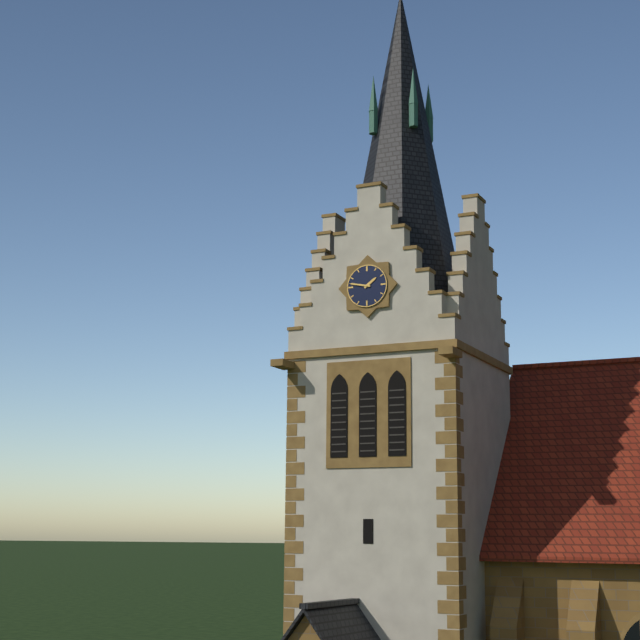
1:47
